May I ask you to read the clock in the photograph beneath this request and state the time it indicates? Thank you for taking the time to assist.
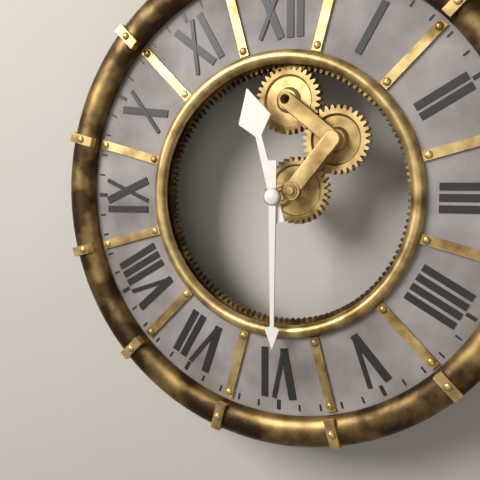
11:30
